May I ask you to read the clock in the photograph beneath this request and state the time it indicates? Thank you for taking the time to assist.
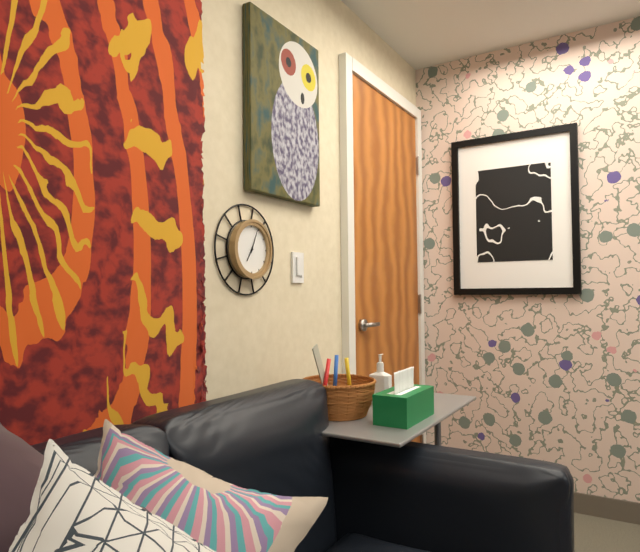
7:04
